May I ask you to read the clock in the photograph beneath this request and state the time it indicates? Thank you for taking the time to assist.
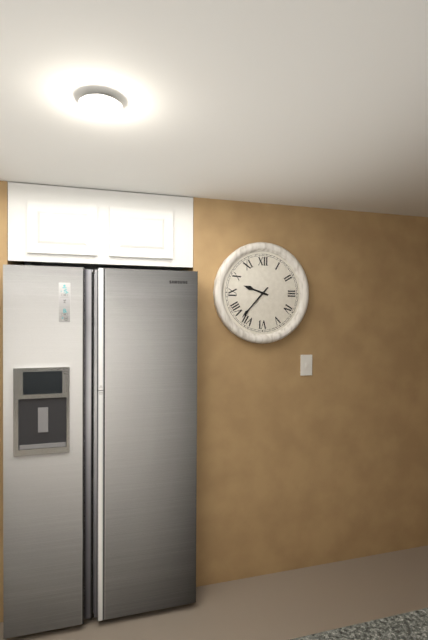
9:37
